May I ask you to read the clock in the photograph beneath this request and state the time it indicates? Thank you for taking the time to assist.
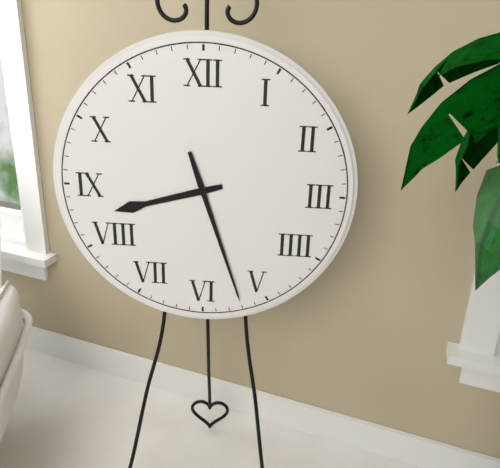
8:27
